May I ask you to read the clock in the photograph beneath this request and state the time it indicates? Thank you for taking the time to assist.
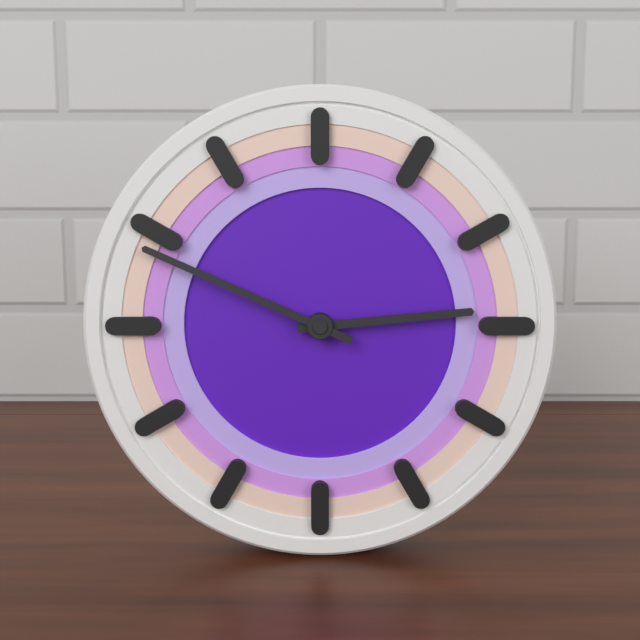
2:49
